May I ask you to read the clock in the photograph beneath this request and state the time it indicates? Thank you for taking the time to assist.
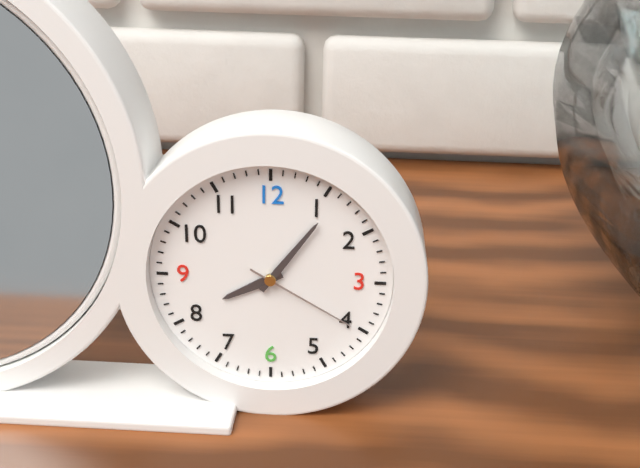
8:06:20
